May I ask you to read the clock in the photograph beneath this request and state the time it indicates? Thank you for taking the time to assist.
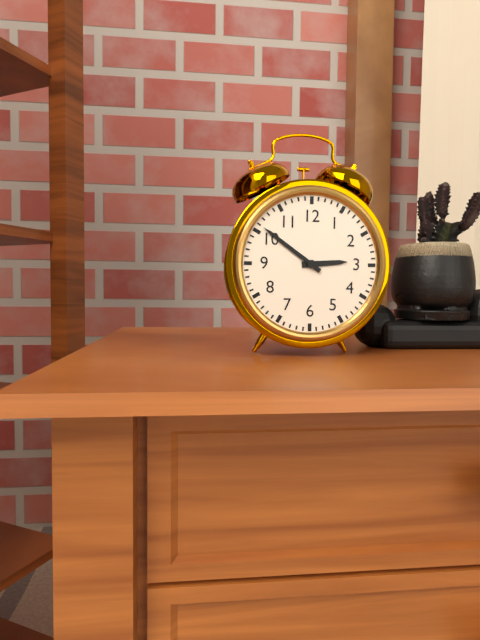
2:51
